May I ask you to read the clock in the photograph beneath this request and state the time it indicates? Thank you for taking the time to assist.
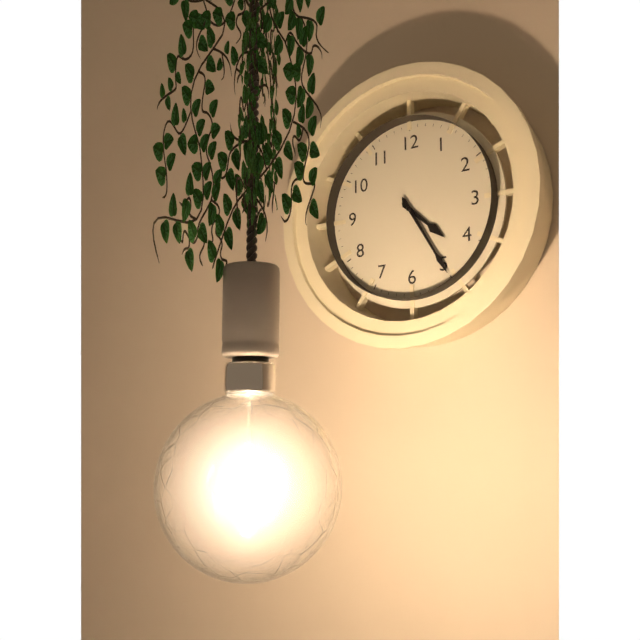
4:25
